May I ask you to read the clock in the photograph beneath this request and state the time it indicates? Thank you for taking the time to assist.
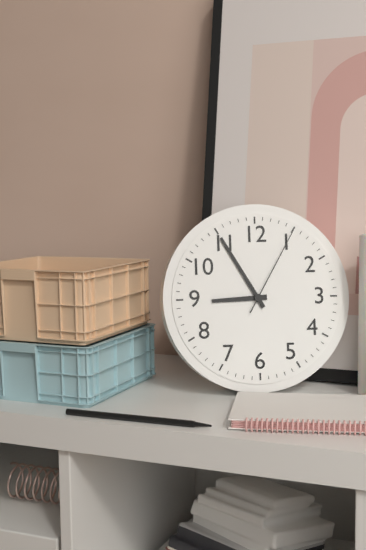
8:55:05
